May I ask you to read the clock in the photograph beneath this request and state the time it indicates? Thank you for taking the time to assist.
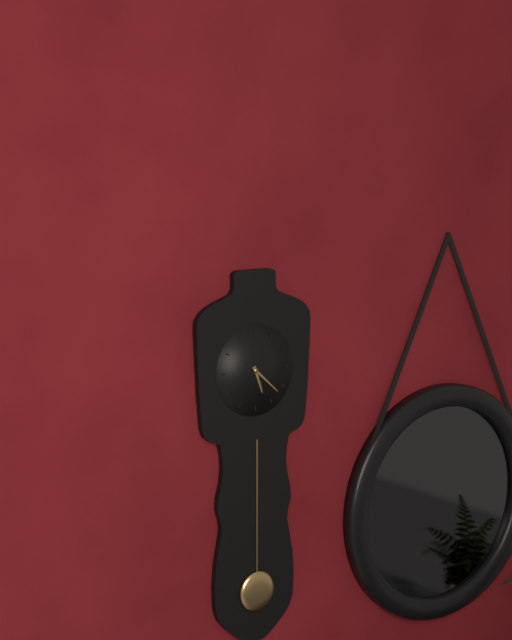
5:22
